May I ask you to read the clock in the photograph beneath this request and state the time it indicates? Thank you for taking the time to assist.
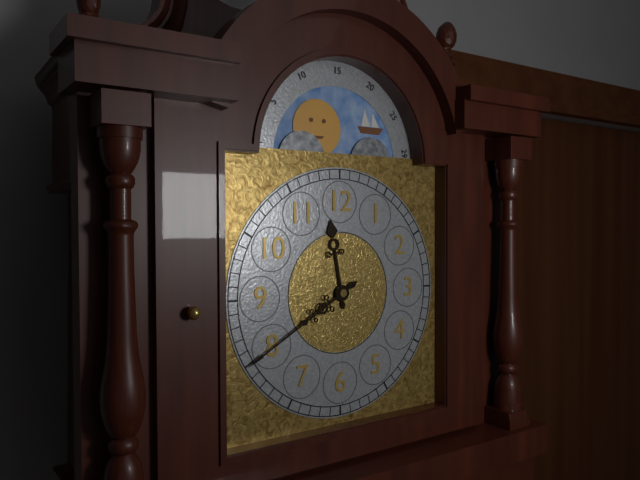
11:40
